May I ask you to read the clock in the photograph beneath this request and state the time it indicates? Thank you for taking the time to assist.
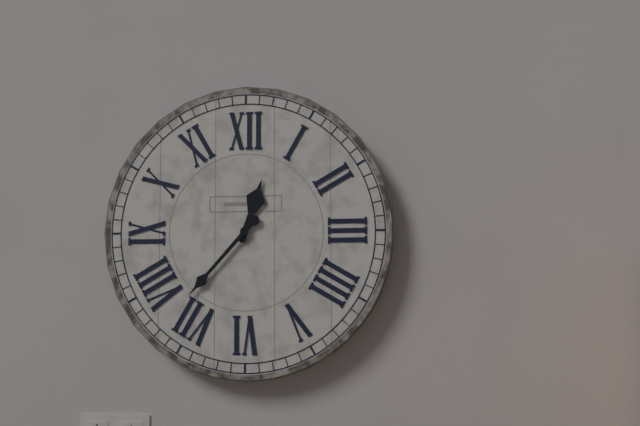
12:37
